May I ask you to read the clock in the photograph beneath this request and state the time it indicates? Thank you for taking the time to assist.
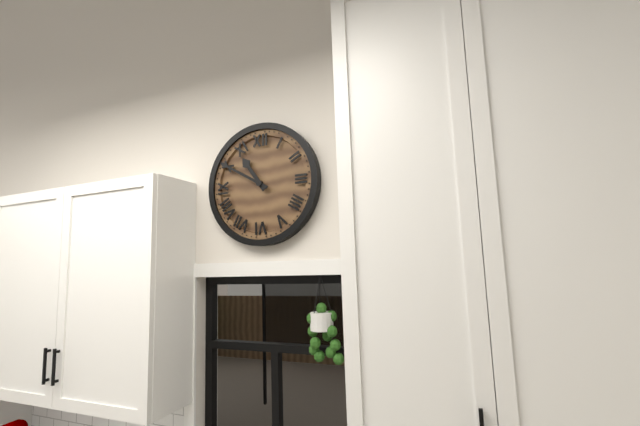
10:50
